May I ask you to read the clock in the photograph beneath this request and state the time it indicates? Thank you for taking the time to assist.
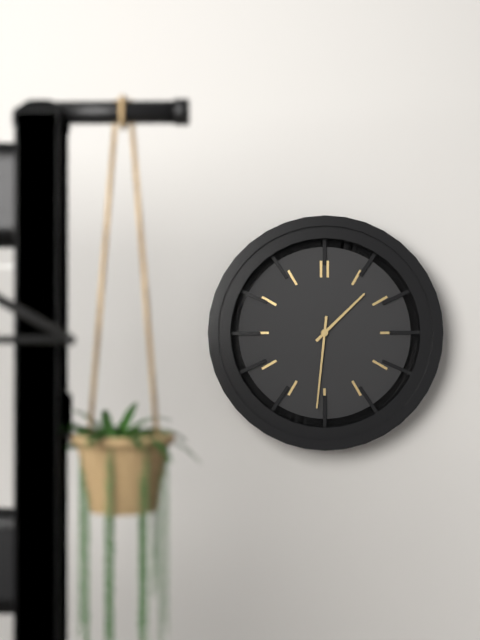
1:31
